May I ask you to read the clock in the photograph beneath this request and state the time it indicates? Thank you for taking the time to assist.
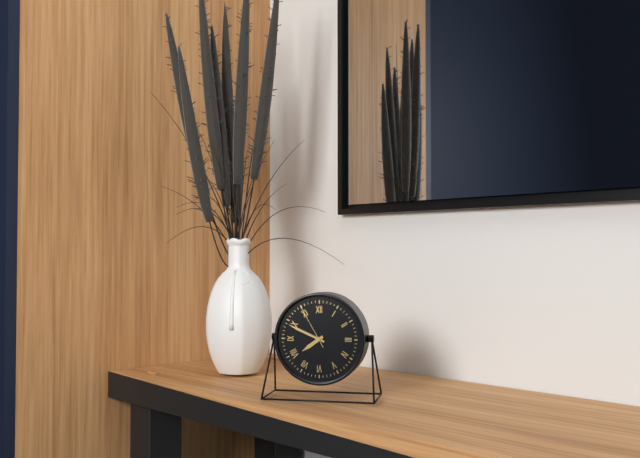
7:49
